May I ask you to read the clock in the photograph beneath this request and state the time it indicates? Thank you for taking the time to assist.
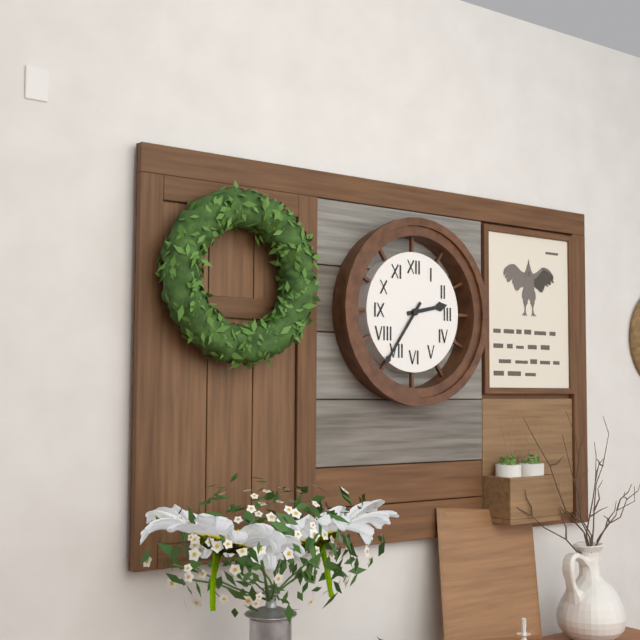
2:36
